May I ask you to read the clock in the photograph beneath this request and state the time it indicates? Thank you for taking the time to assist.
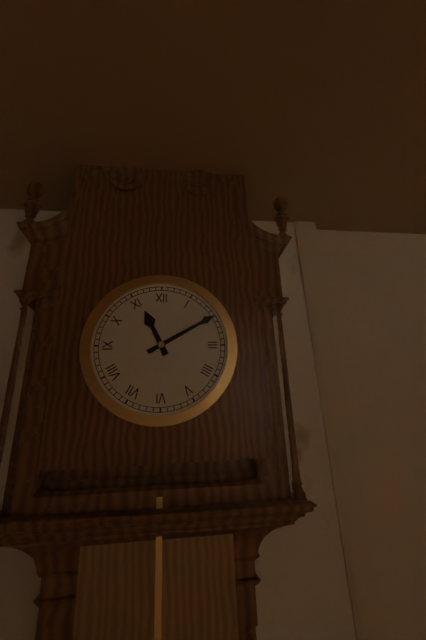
11:10
